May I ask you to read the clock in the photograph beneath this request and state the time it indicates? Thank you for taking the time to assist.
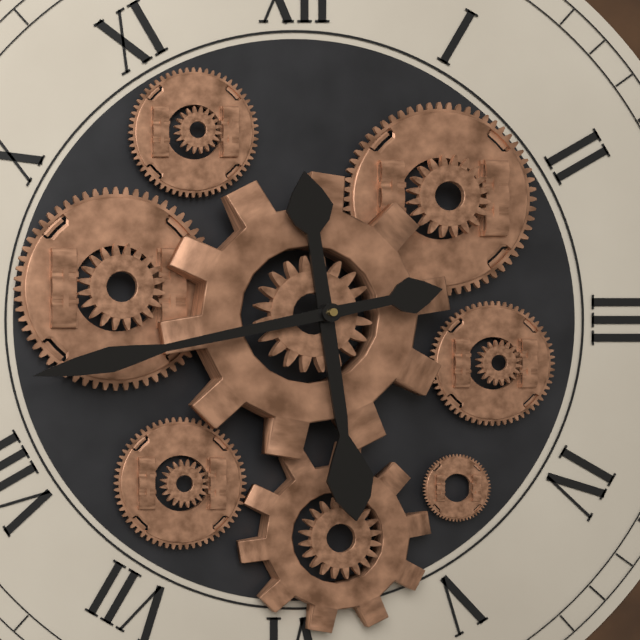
5:43
